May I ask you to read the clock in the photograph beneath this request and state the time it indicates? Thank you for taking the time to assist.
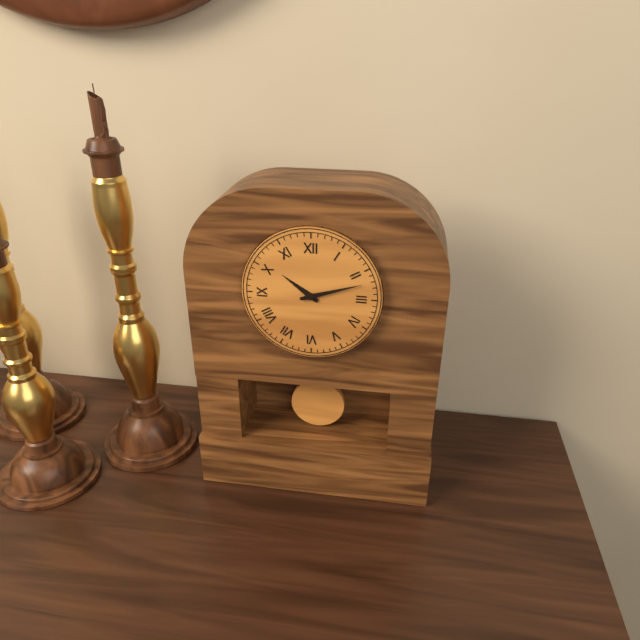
10:12
